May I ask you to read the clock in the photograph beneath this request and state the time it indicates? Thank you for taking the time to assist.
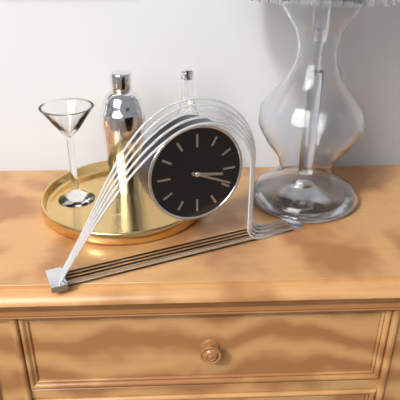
3:19
